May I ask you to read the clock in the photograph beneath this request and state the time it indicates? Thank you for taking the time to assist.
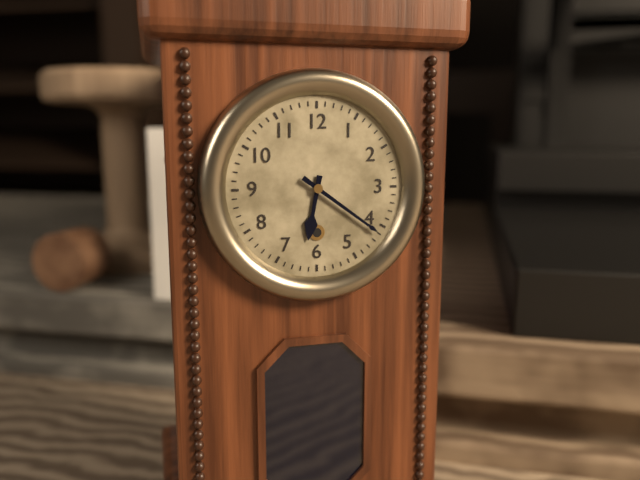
6:21
